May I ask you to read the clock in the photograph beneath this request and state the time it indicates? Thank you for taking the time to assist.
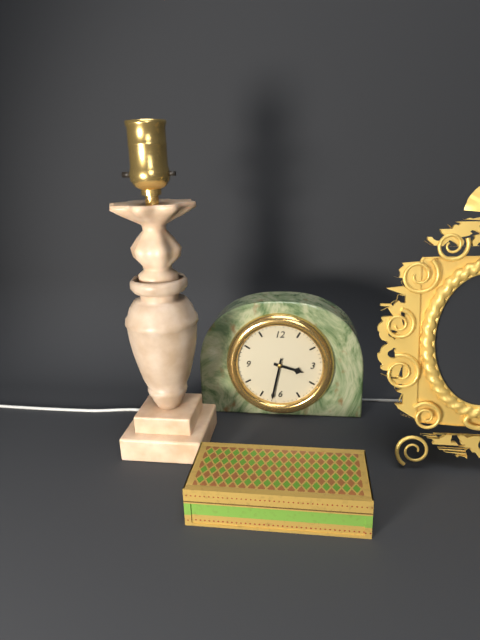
3:32
